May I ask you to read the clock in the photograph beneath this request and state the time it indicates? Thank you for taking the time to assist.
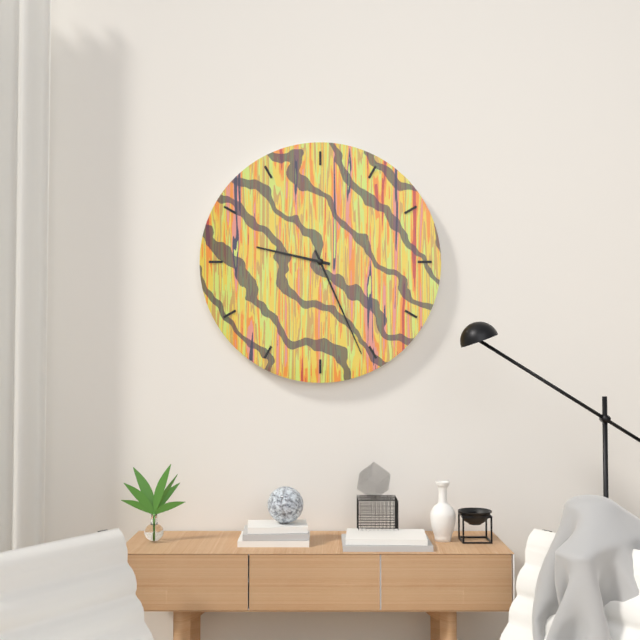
9:26
